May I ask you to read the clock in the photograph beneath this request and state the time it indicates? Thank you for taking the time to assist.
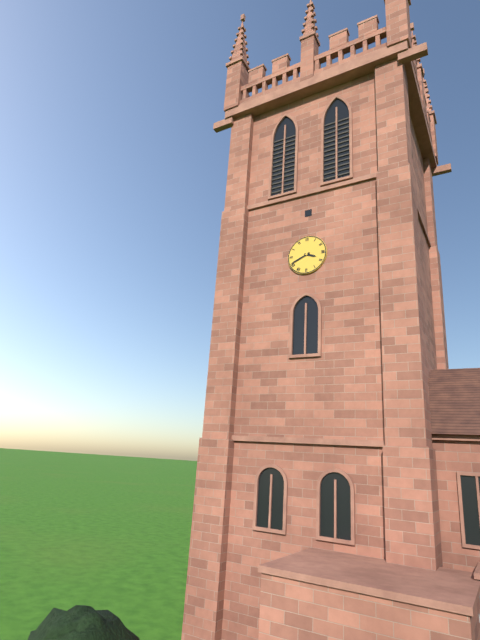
3:41
